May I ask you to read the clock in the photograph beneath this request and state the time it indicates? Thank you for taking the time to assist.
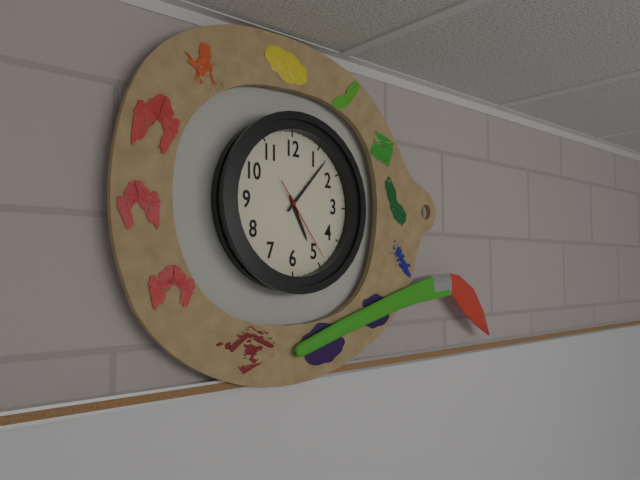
5:07:24
